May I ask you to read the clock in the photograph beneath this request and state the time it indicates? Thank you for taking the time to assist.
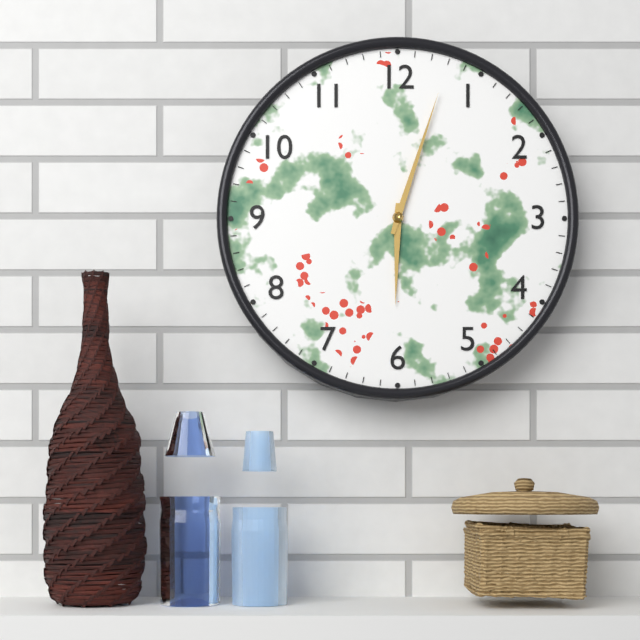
6:03
